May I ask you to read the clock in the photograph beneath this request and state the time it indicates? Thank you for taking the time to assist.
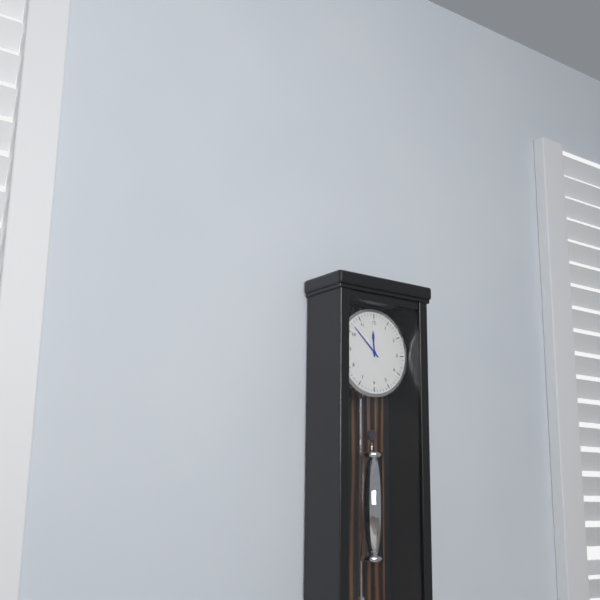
11:52
